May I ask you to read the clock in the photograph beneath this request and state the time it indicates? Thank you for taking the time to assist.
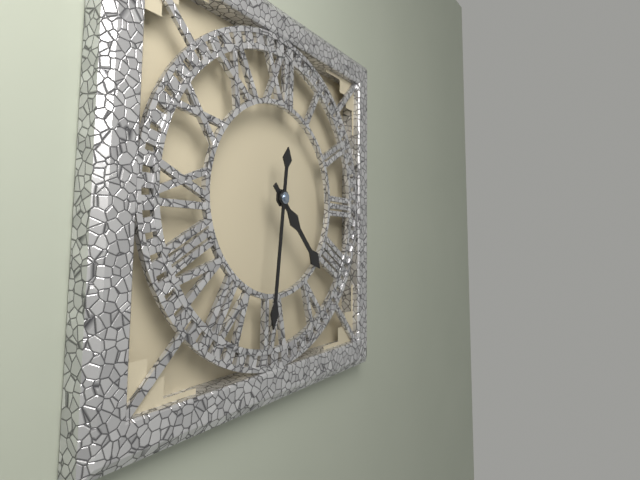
4:31
